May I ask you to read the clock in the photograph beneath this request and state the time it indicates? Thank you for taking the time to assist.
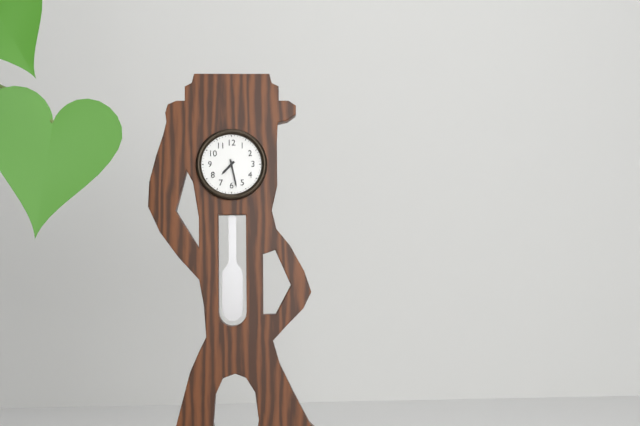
7:28
